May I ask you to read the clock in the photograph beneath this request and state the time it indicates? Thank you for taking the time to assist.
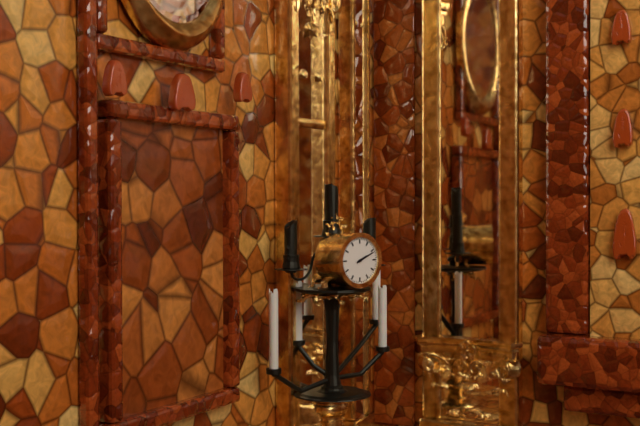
2:11
